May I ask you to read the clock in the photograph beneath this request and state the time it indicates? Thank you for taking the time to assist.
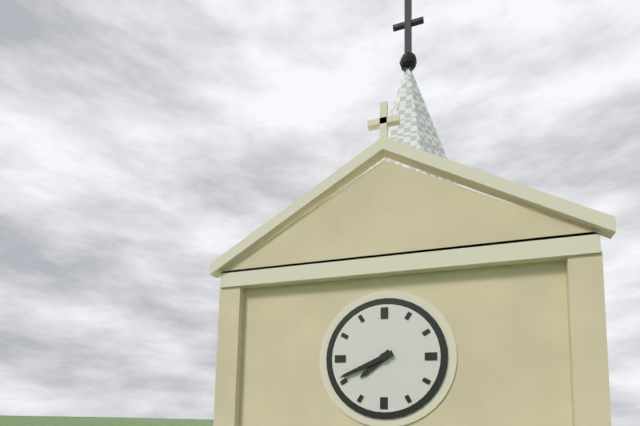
7:41
